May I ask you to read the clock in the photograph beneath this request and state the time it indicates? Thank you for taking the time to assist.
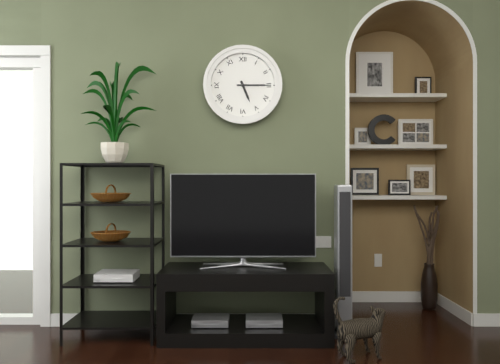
5:15
